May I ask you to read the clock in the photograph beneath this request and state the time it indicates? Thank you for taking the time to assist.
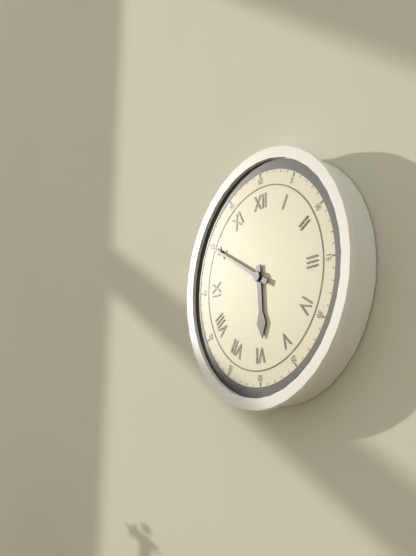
5:50
